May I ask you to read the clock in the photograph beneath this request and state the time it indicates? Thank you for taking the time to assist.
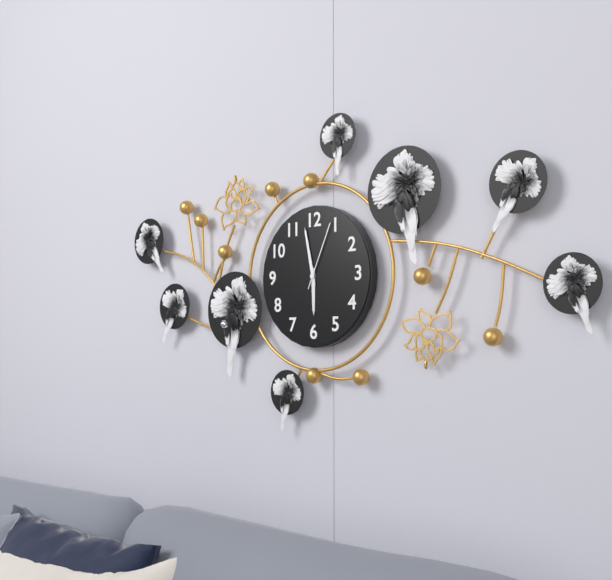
5:58:04
